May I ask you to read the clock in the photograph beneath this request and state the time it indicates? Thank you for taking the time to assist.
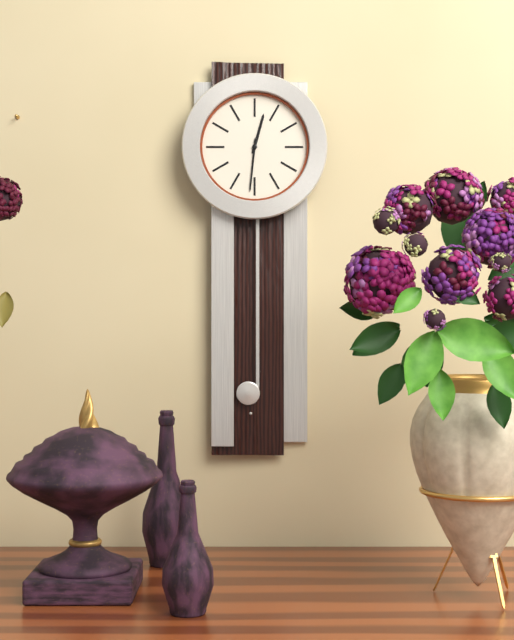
12:31
